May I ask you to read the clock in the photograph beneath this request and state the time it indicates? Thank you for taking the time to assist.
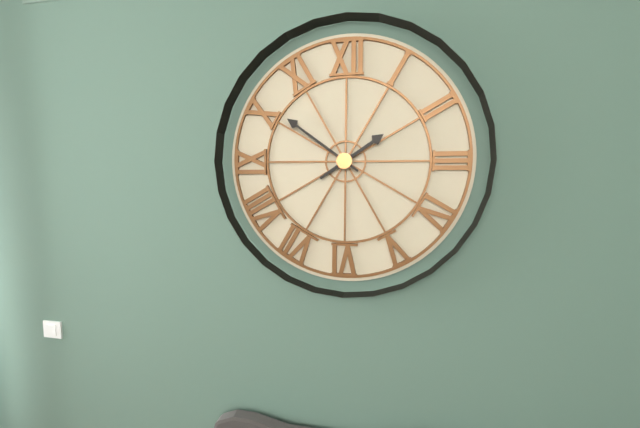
1:51
